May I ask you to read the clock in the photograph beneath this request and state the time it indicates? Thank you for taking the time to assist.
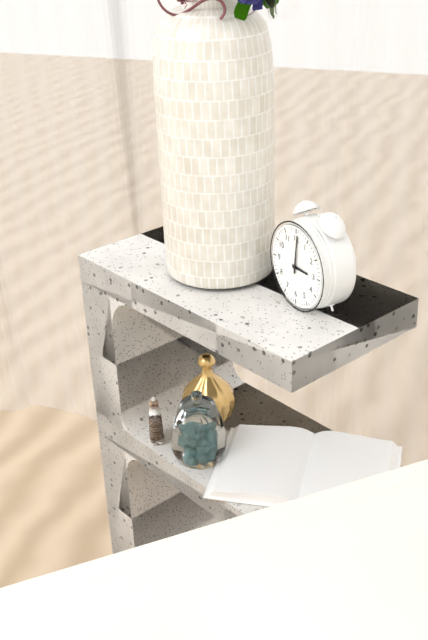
3:01
